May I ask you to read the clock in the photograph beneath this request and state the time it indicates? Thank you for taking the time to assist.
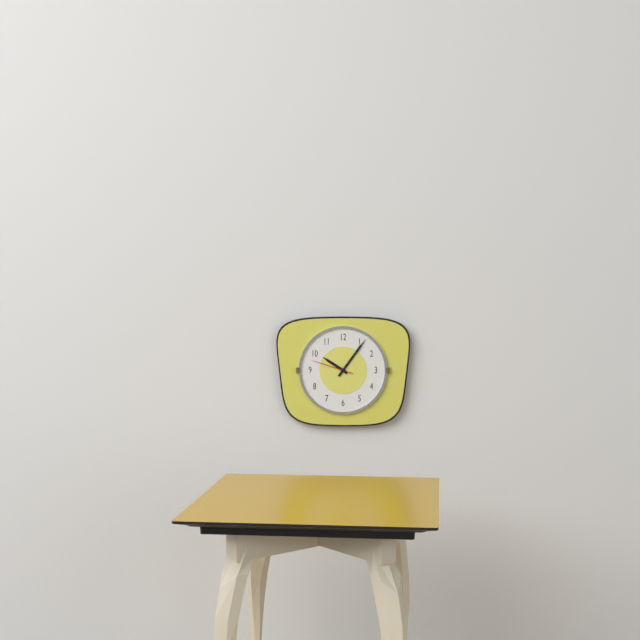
10:06
